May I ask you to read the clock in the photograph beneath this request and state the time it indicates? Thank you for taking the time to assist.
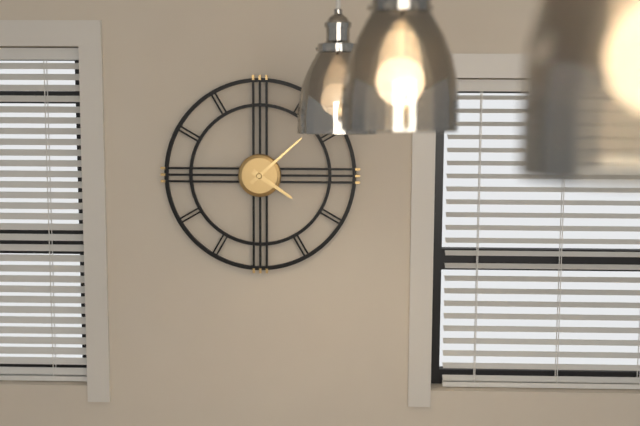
4:08
